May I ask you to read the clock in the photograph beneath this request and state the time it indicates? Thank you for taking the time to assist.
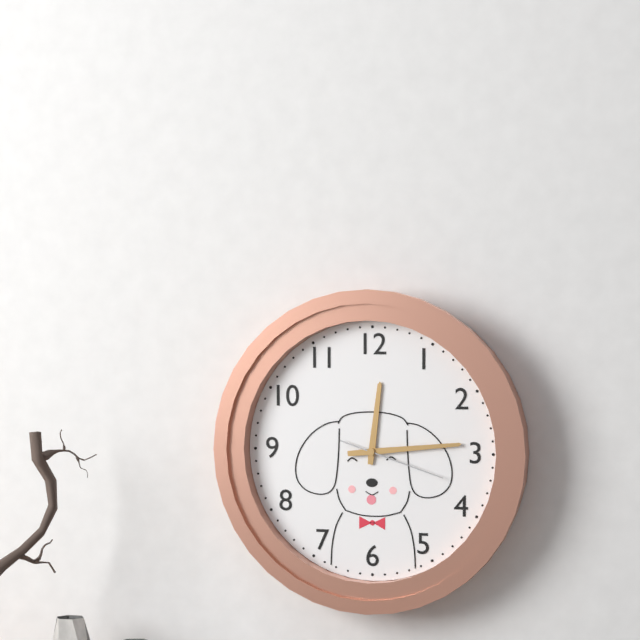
12:14:18
